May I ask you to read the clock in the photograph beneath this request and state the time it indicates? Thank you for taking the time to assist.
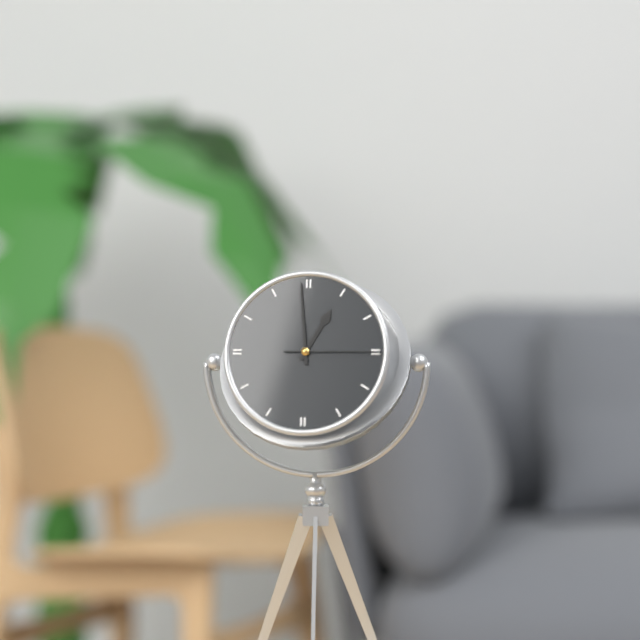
12:59:15
